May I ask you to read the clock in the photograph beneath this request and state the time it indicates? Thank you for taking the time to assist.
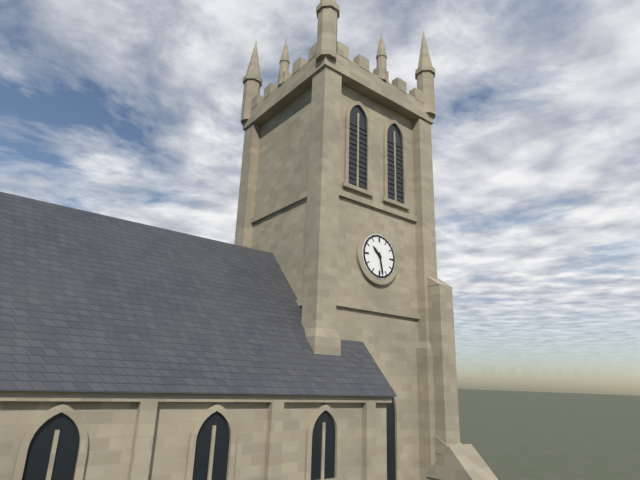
10:28
